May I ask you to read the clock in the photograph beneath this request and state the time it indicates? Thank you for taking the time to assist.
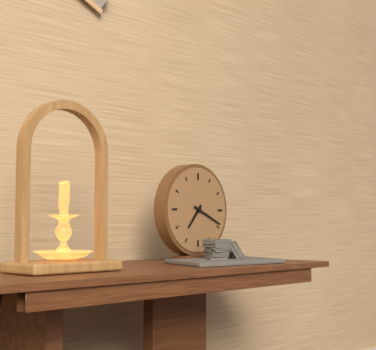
7:19
